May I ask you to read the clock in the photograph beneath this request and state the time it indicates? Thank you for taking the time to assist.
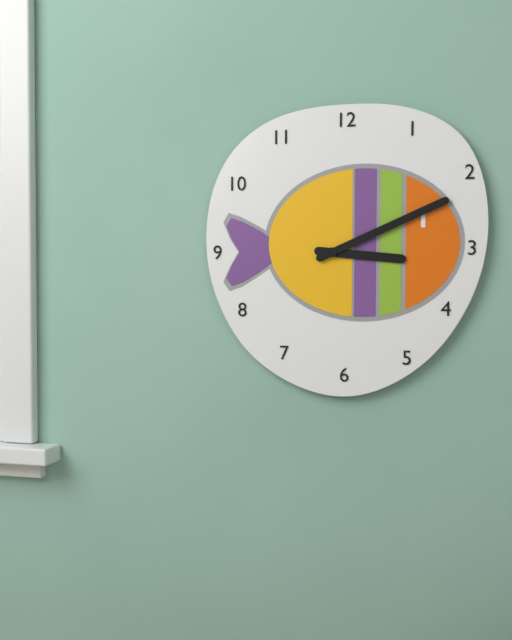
3:11
